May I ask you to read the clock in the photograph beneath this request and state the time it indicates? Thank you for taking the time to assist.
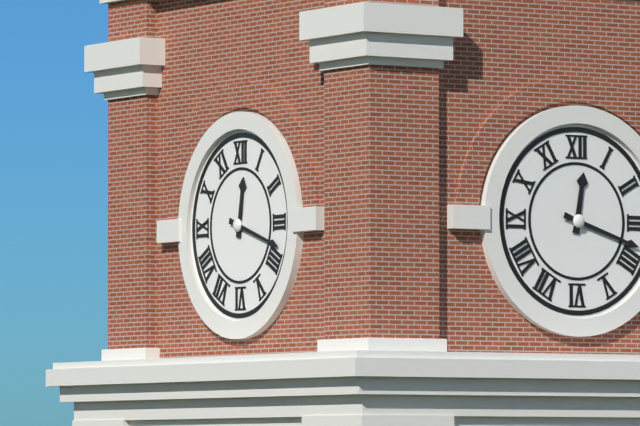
12:18
